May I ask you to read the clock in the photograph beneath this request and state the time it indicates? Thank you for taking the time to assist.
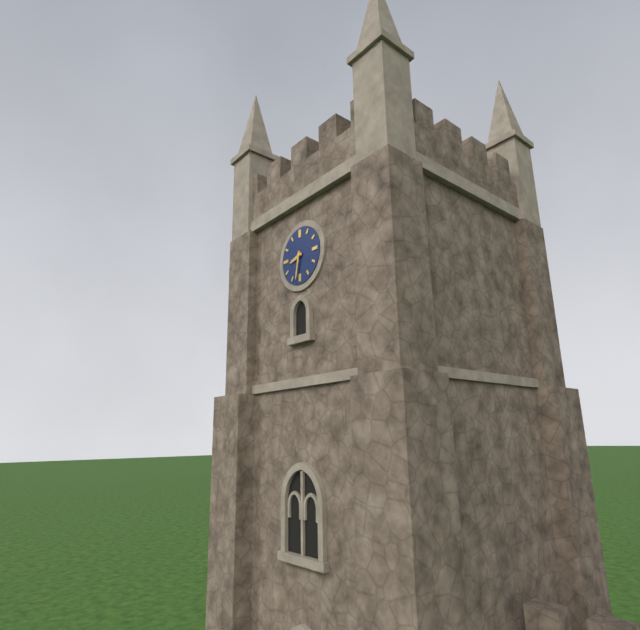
8:32
